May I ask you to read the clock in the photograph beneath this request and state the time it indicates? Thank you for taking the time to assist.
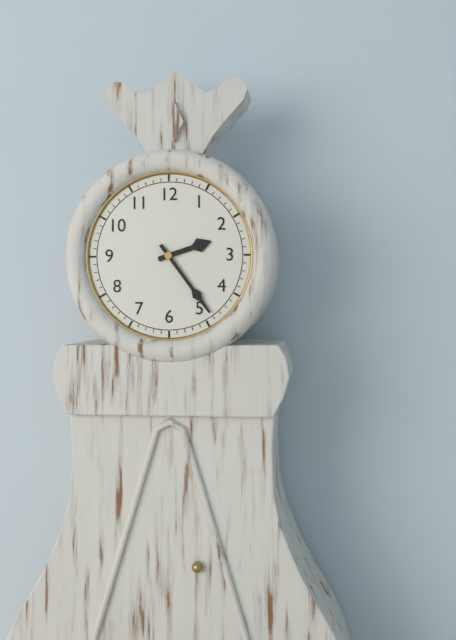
2:24
